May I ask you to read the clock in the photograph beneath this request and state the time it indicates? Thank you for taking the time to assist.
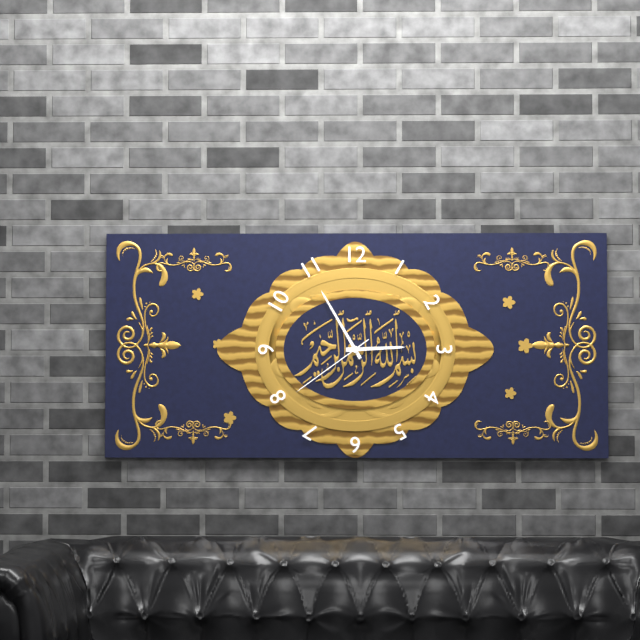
2:55:39
